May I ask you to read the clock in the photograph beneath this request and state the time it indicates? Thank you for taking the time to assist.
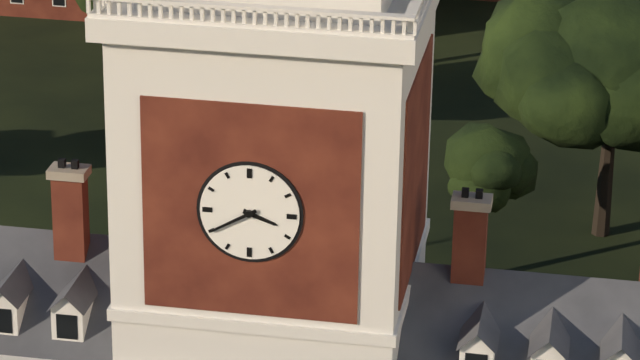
3:40
